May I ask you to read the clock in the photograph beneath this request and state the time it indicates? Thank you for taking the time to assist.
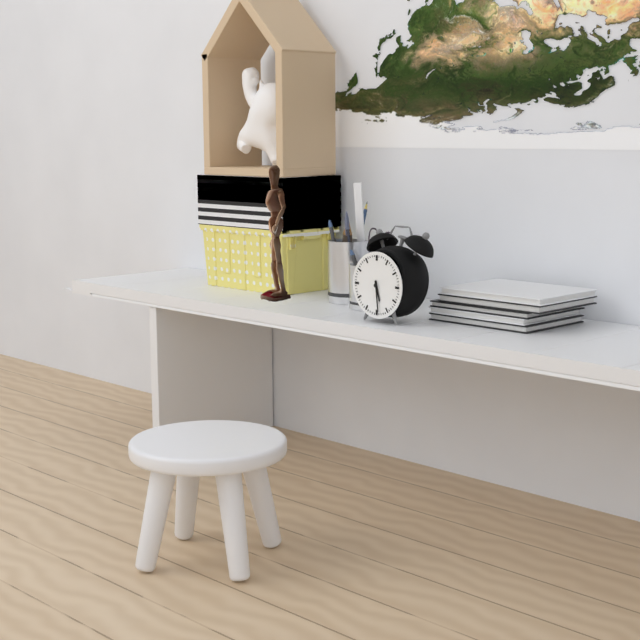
5:29
